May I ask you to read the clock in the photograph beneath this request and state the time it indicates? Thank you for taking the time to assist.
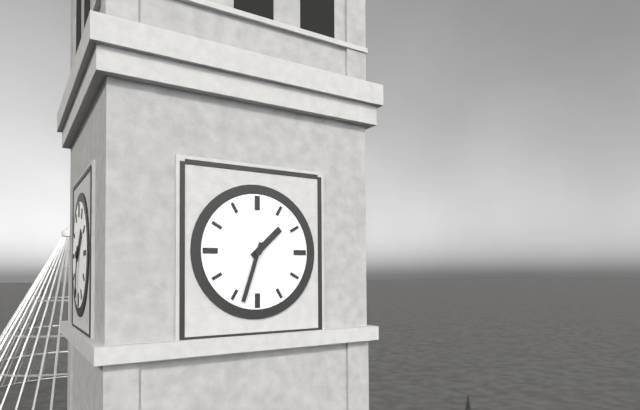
1:33
